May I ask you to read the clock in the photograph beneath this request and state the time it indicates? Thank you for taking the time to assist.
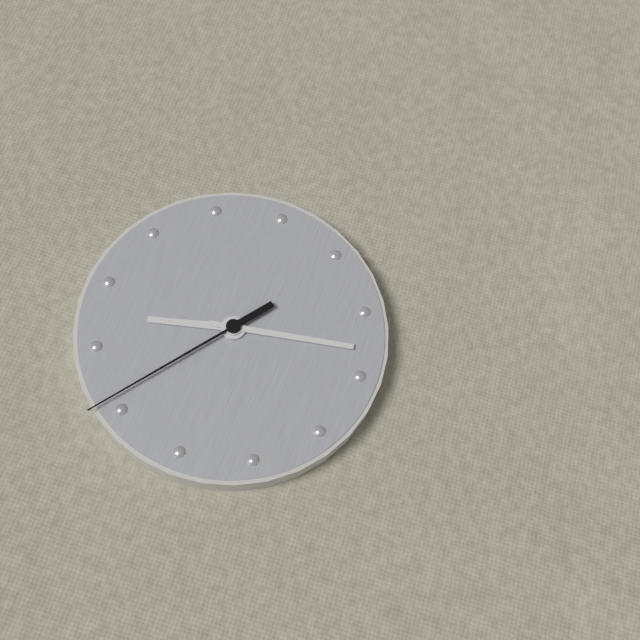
11:28:51
